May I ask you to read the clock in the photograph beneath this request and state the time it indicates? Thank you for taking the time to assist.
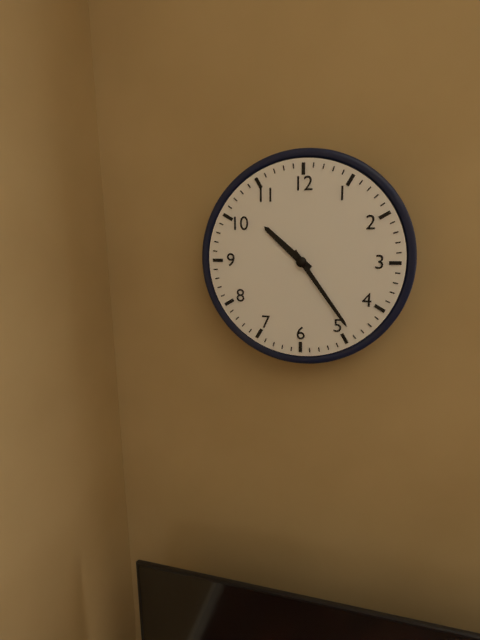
10:24
